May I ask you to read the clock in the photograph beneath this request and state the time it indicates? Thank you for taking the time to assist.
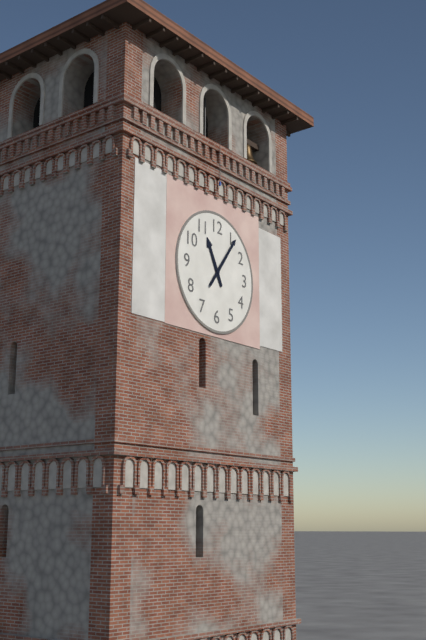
11:06
